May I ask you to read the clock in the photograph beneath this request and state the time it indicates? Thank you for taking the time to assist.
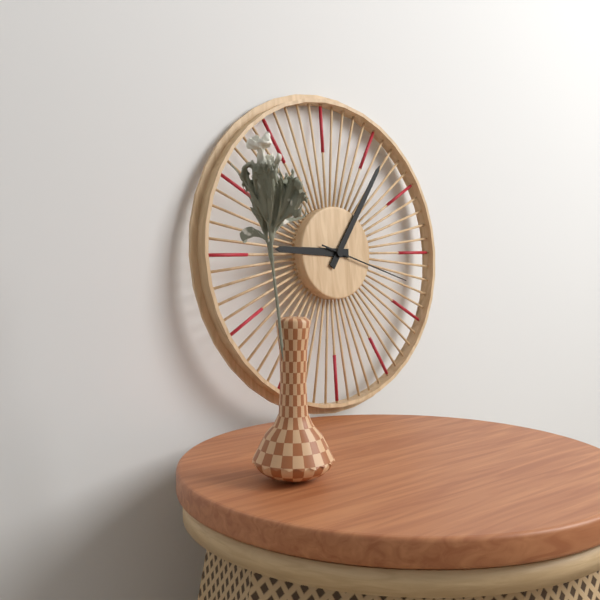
9:06:18
